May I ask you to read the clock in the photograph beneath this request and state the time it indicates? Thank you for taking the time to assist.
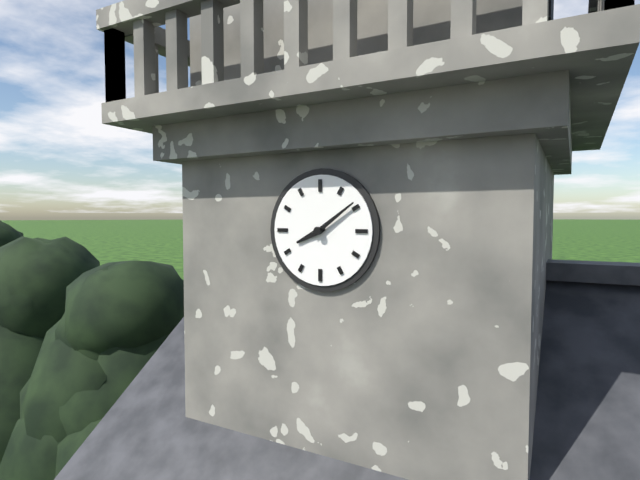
8:09
